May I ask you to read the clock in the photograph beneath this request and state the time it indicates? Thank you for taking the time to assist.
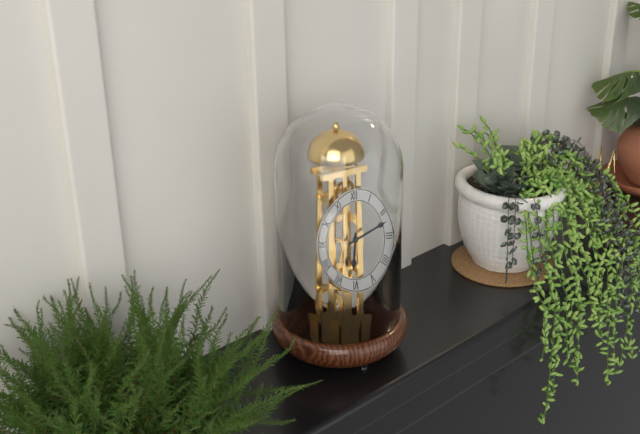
6:12
